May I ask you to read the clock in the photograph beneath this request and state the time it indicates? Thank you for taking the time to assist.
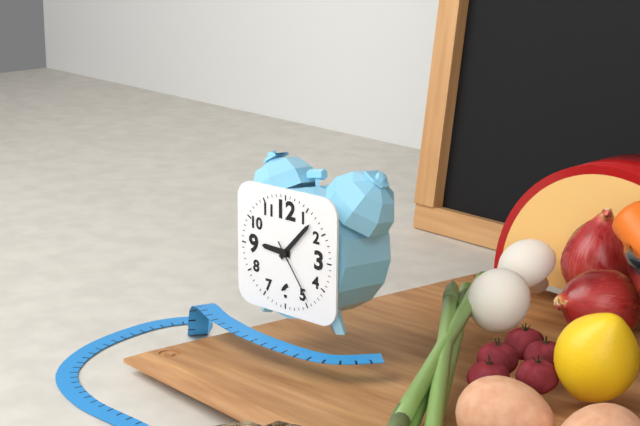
9:07:24
